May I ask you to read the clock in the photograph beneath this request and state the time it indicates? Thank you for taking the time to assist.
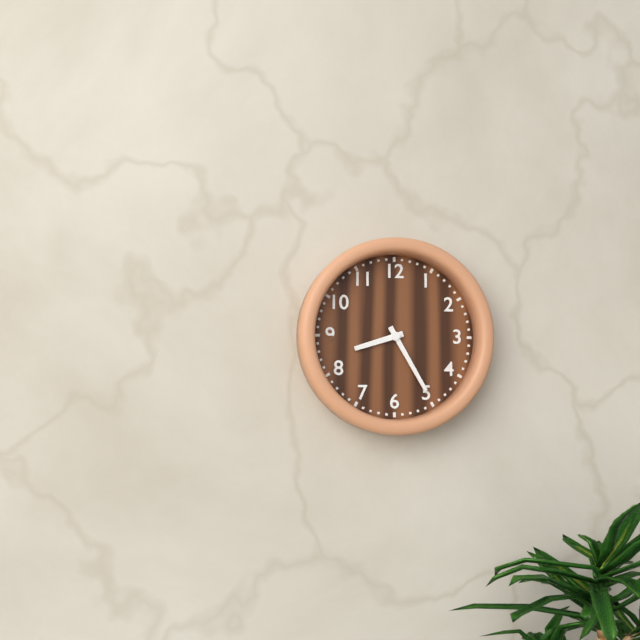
8:25
